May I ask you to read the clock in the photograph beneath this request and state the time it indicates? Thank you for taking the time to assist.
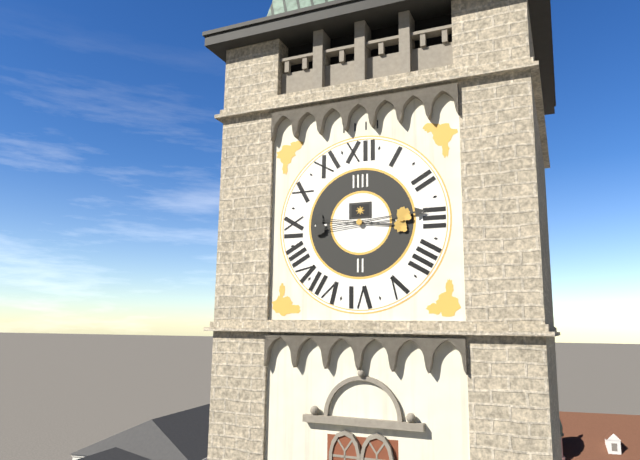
3:14
